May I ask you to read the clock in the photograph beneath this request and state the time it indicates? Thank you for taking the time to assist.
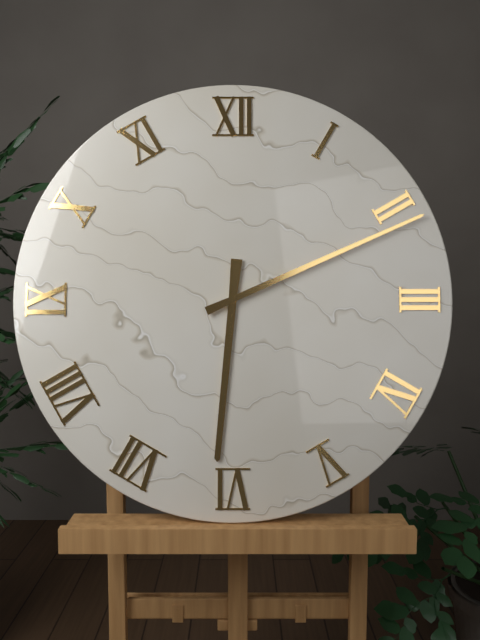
6:11
